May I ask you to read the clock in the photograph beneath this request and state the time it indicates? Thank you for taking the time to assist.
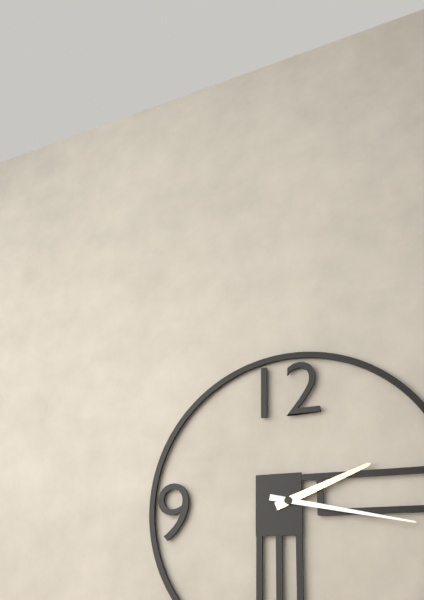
2:17
